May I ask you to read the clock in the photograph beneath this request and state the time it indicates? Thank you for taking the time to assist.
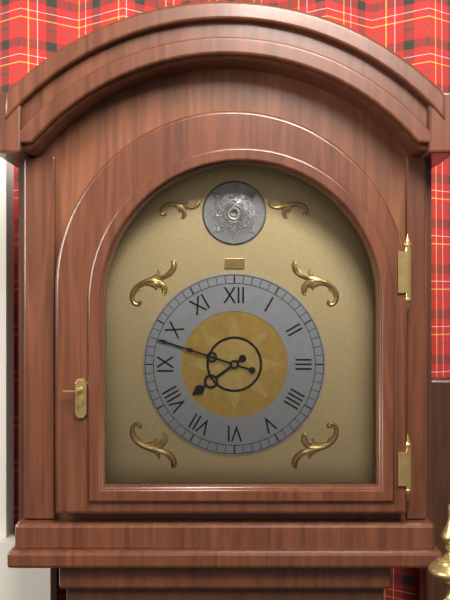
7:48
